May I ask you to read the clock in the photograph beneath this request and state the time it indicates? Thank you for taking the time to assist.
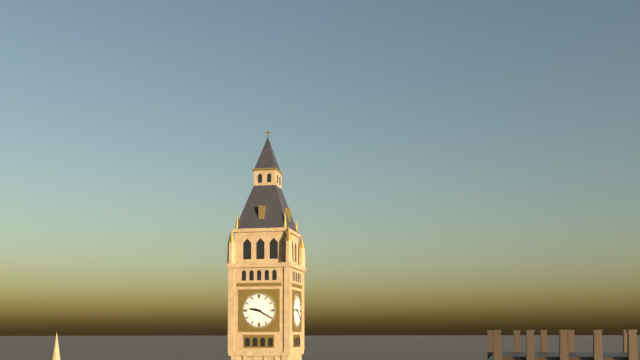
9:20
